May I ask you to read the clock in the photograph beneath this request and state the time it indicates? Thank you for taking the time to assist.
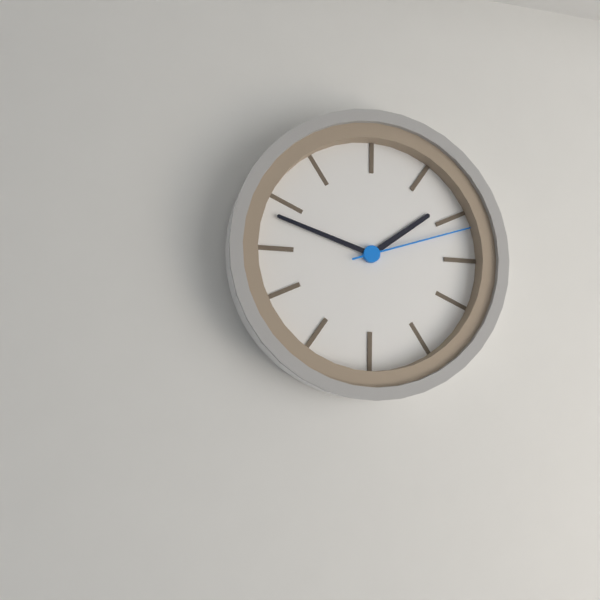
1:48:12
